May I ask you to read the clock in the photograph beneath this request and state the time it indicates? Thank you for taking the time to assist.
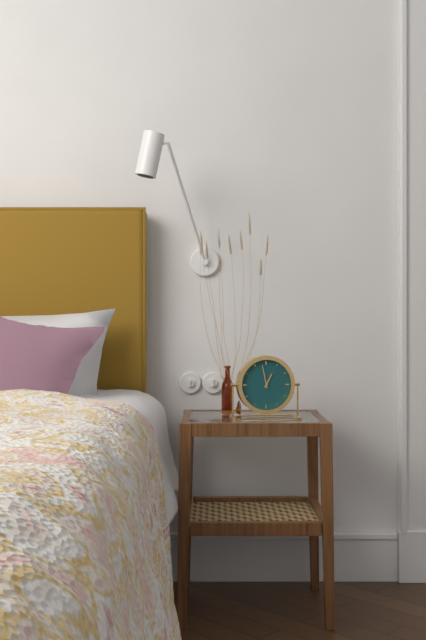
12:58
